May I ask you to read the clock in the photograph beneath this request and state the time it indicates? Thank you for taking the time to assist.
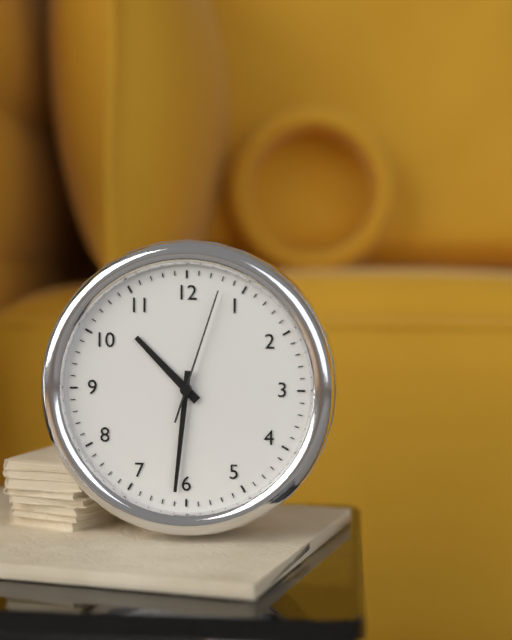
10:31:03
